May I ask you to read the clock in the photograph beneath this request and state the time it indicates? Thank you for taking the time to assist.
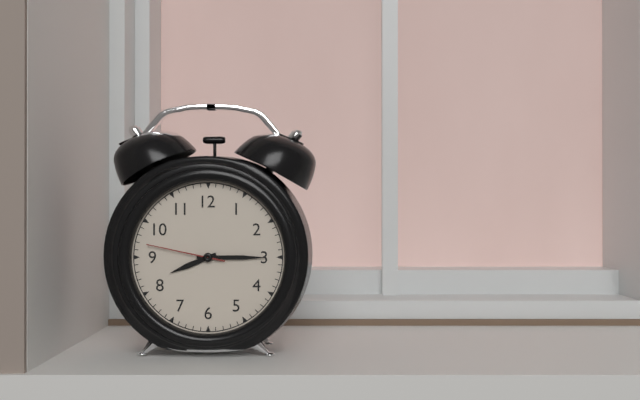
8:15:47
